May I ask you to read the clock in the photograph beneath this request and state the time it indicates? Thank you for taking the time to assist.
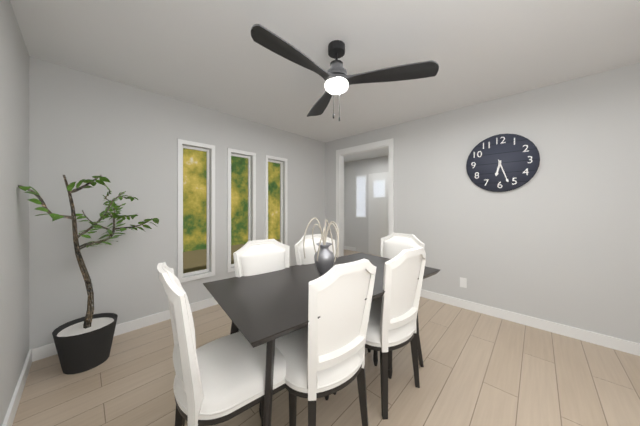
6:27
